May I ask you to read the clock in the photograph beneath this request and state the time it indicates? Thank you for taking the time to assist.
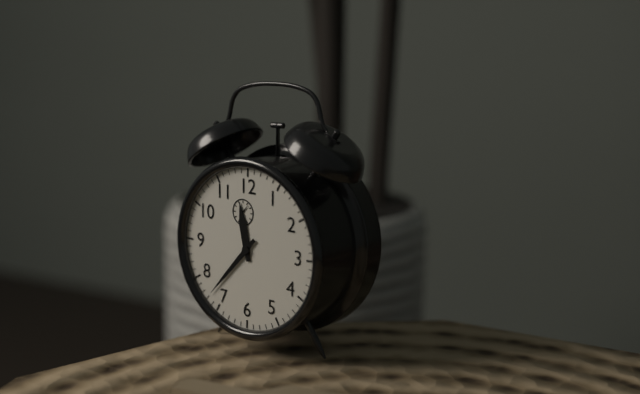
11:37
